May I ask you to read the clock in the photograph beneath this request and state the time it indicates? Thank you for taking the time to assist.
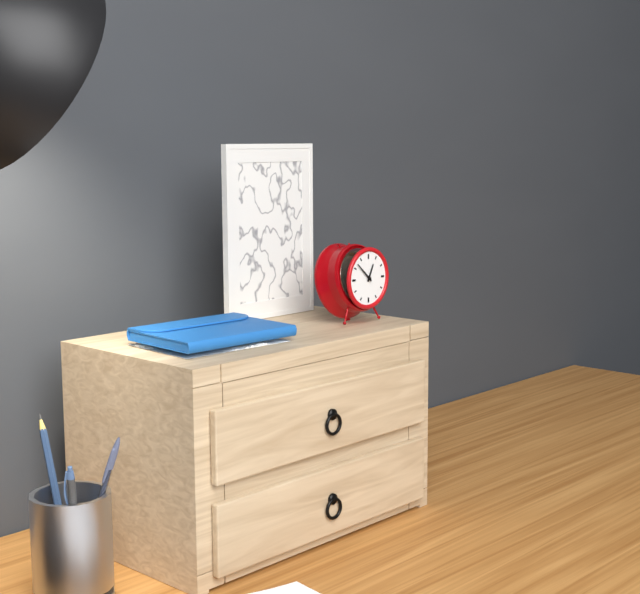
12:52
